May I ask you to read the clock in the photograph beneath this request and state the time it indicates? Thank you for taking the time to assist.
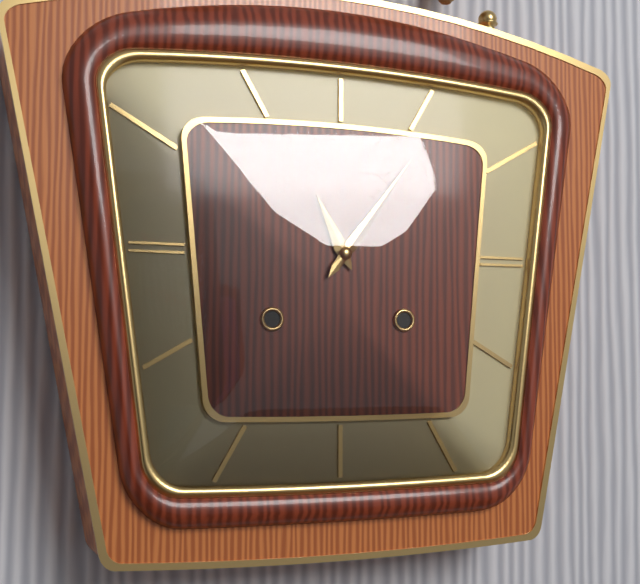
11:06
